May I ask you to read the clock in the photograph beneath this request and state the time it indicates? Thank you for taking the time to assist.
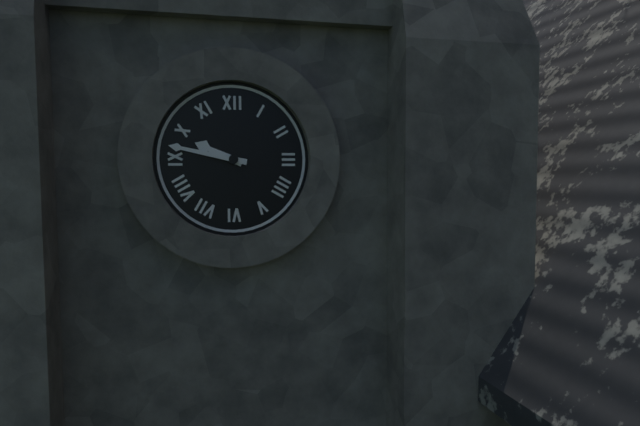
9:47
